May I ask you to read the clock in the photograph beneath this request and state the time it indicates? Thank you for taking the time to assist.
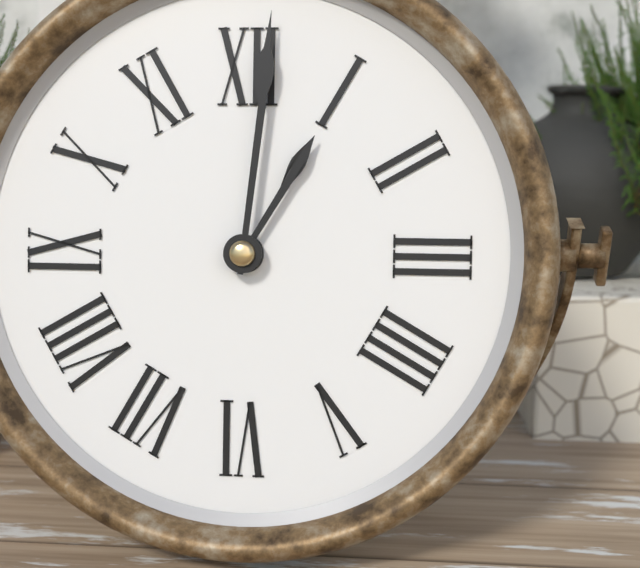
1:01
